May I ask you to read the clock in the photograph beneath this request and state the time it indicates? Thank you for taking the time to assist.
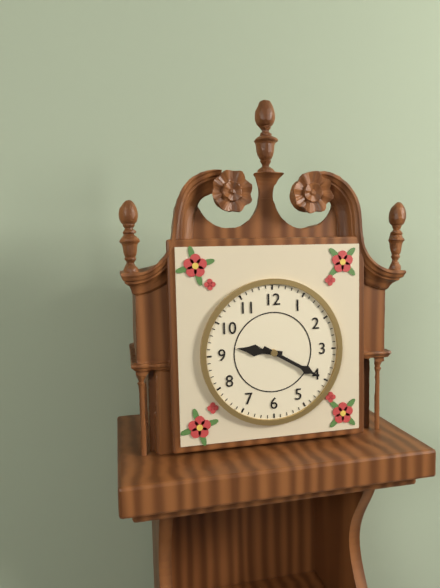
9:20
